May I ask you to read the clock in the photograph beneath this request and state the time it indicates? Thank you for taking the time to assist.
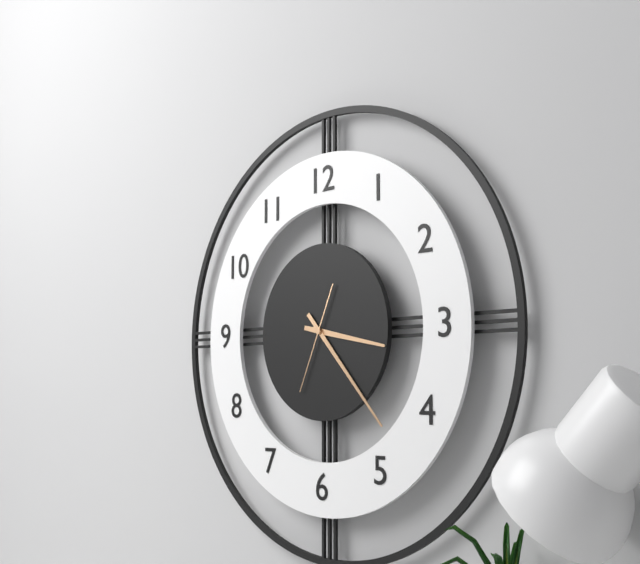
3:23:34
